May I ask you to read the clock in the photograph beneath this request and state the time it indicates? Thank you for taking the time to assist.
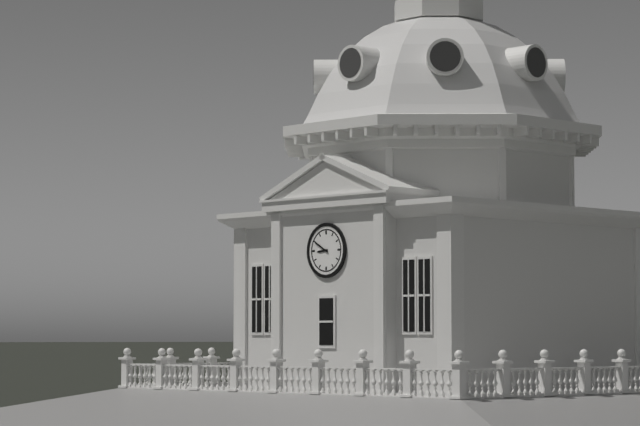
8:50
